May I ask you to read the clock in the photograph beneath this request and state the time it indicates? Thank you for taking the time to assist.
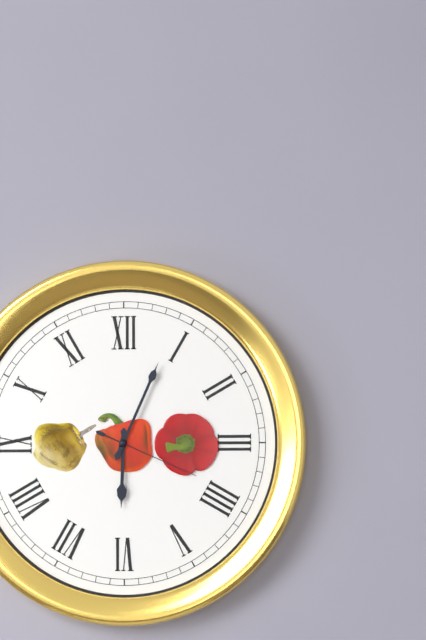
6:04:19
